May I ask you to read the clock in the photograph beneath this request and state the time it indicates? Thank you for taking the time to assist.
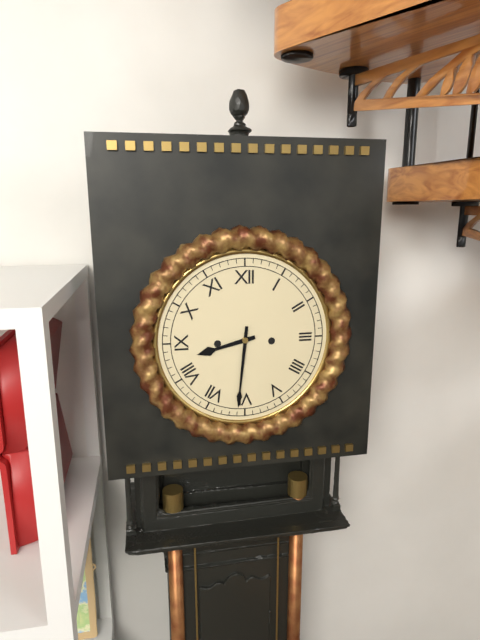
8:31
